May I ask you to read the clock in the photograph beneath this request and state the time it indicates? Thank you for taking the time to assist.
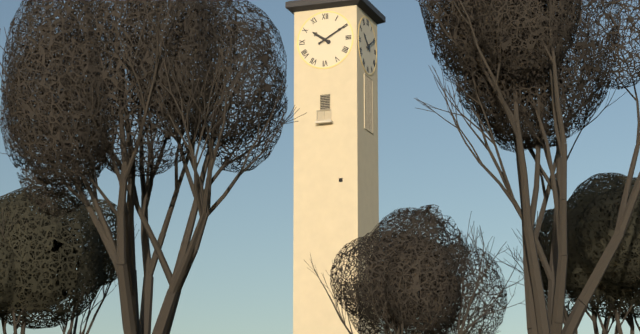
10:10
